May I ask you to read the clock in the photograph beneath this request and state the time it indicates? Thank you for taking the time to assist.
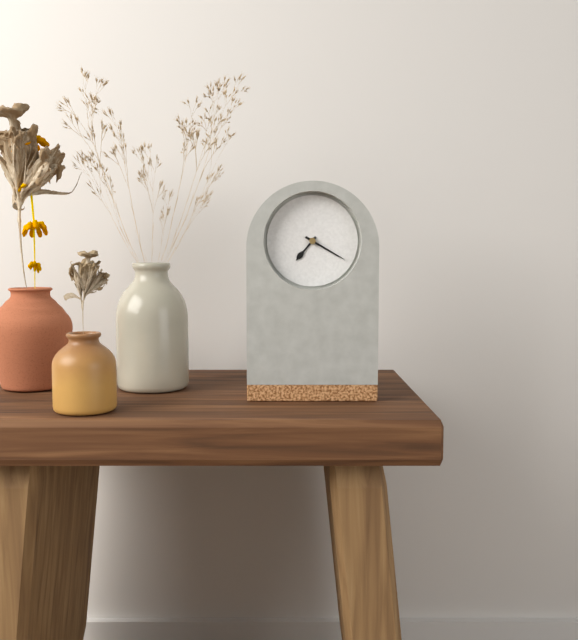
7:20
